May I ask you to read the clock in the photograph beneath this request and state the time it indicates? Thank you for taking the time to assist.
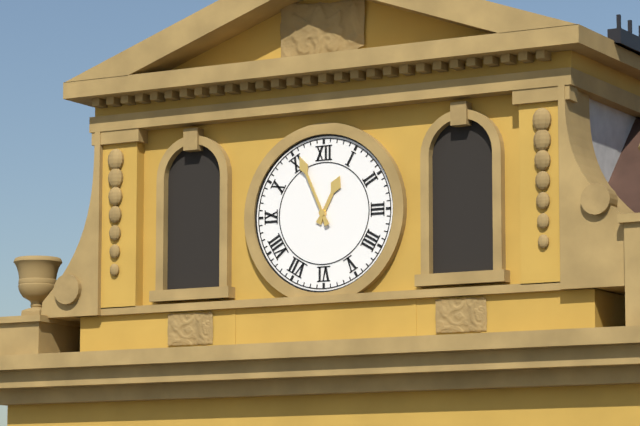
12:56
